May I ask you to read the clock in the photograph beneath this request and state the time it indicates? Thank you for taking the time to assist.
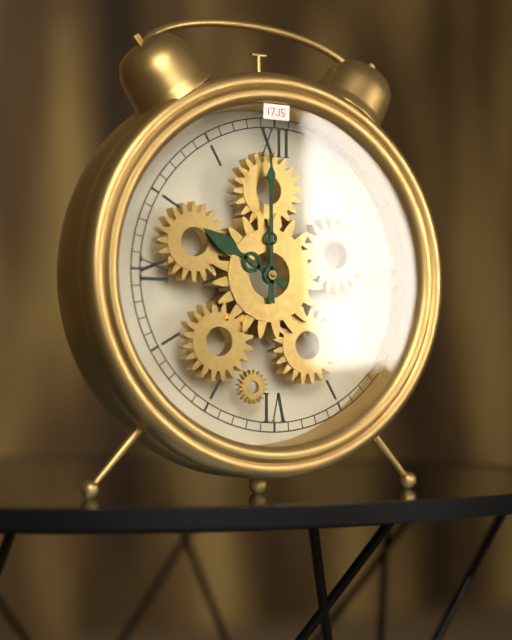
10:00
